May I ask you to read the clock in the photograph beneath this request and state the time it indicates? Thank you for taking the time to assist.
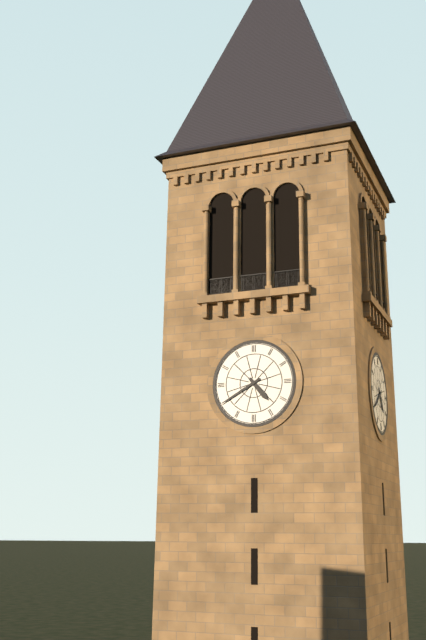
4:40
